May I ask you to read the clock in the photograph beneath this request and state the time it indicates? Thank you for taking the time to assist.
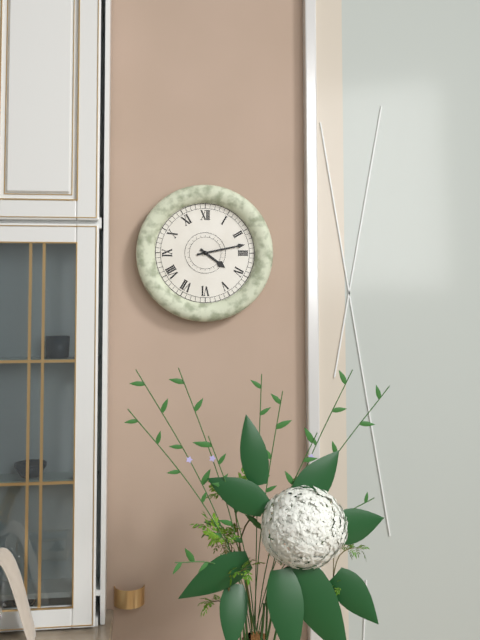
4:13
